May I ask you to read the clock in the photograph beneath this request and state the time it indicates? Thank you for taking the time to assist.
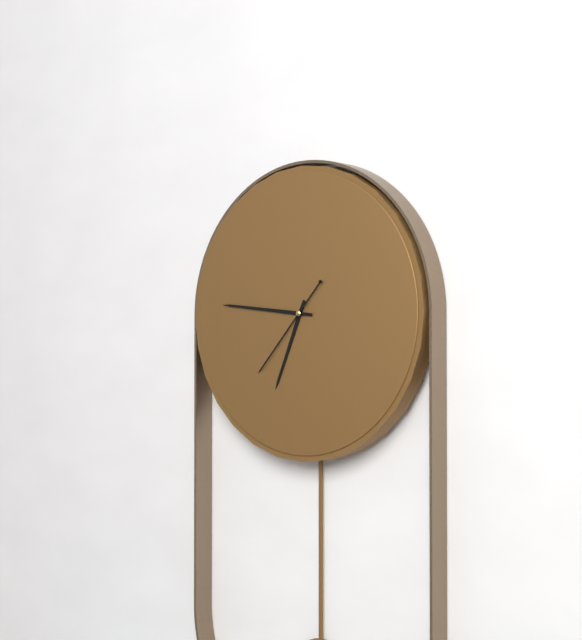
6:46:37
